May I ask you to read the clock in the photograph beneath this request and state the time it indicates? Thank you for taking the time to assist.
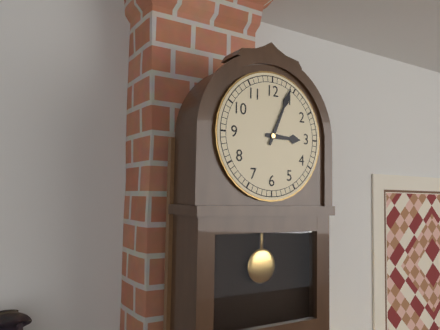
3:04
